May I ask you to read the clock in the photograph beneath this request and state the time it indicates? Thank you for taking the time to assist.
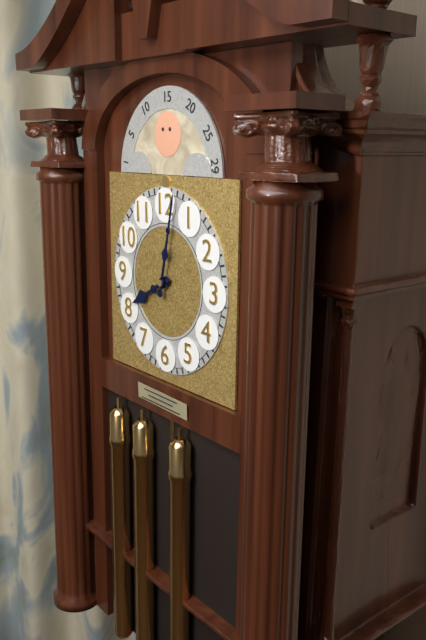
8:02
